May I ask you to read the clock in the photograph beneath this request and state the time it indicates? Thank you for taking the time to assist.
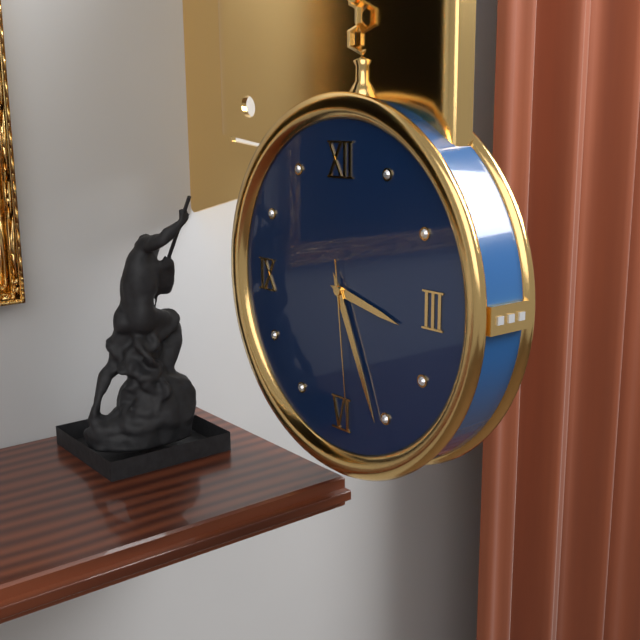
3:26:29
